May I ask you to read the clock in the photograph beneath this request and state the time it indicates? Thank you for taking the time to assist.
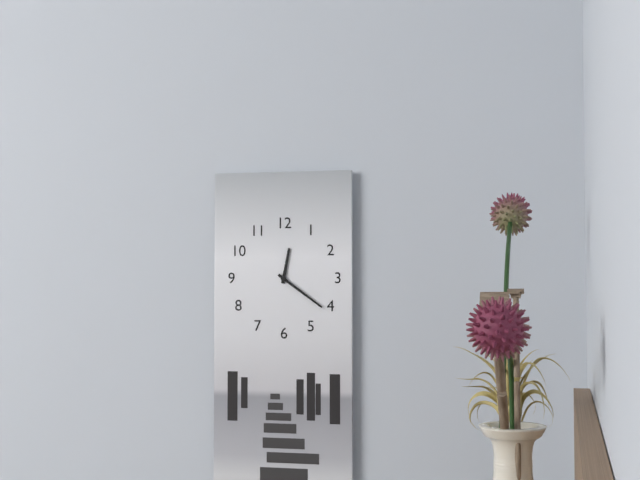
12:21
